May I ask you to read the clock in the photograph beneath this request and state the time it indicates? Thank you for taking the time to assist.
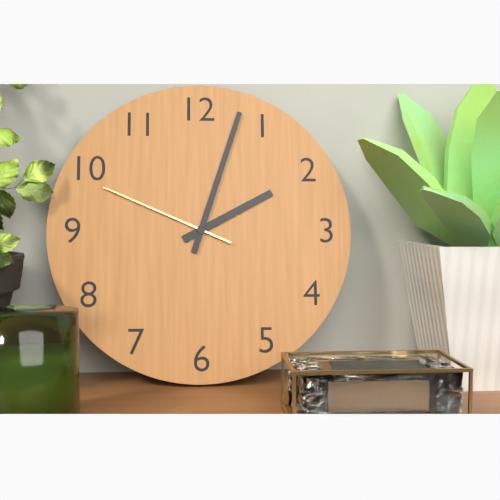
2:03:49
